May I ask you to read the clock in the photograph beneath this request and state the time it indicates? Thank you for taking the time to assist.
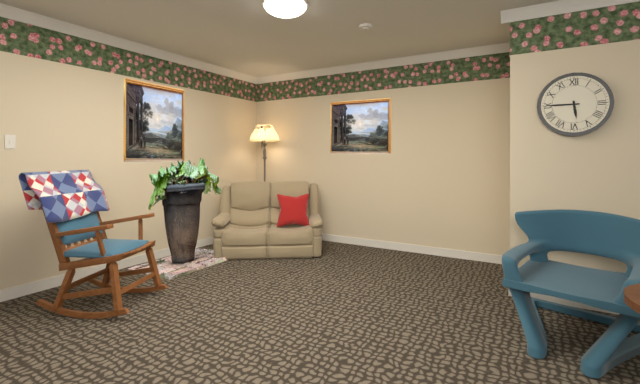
5:45
